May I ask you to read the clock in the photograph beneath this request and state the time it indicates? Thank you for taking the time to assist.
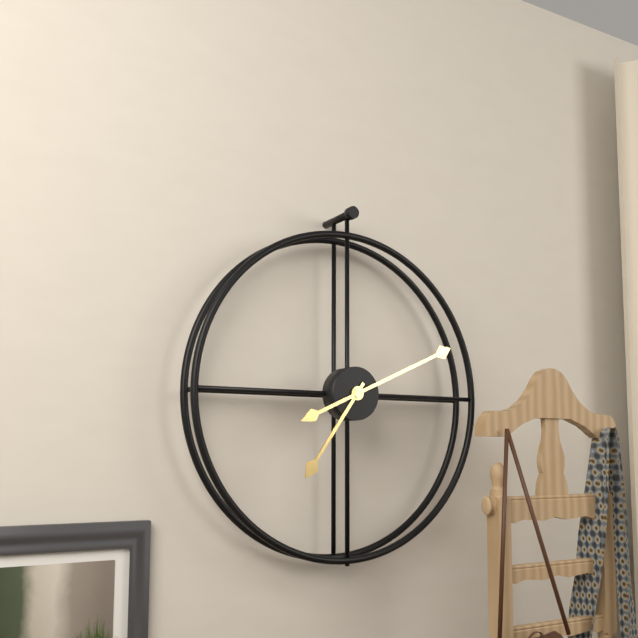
7:11
